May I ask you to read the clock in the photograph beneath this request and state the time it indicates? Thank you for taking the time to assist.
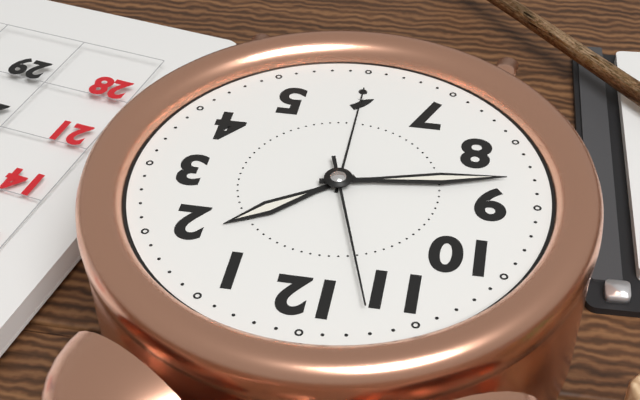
1:43:57
